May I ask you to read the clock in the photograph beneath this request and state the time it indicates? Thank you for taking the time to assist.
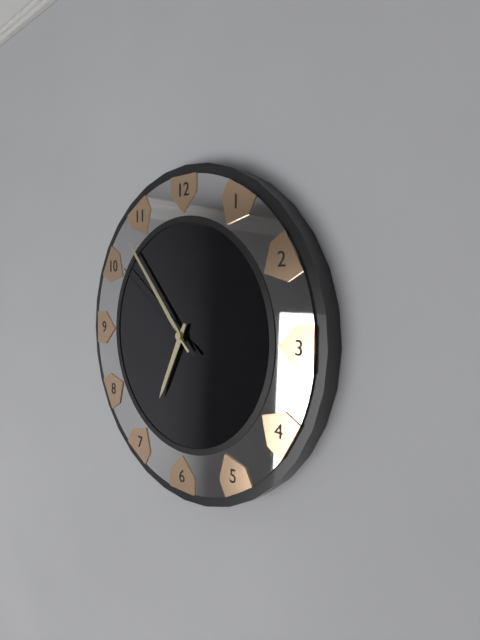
6:53:51
